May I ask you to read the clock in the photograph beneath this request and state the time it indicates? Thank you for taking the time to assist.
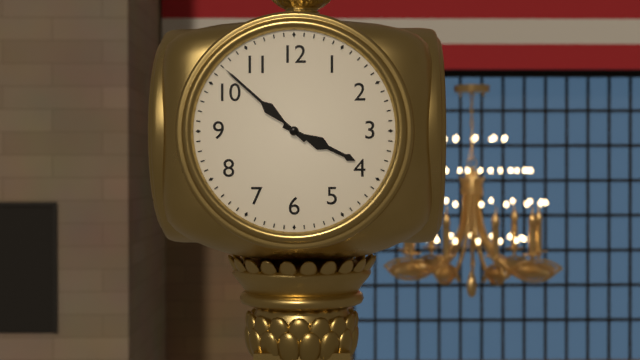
3:52
